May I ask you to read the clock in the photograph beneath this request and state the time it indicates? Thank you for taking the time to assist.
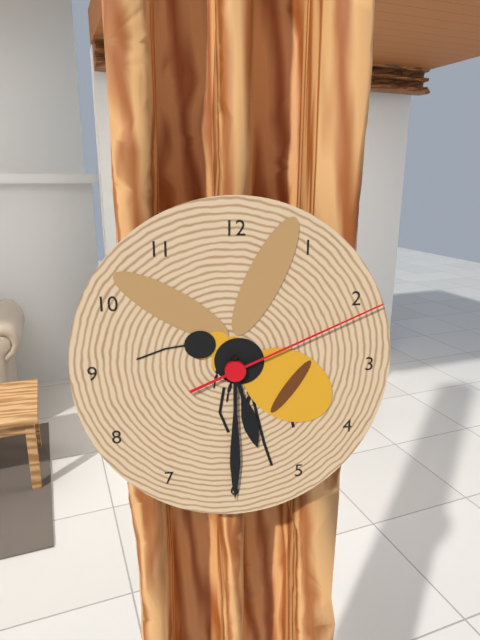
5:30:11
